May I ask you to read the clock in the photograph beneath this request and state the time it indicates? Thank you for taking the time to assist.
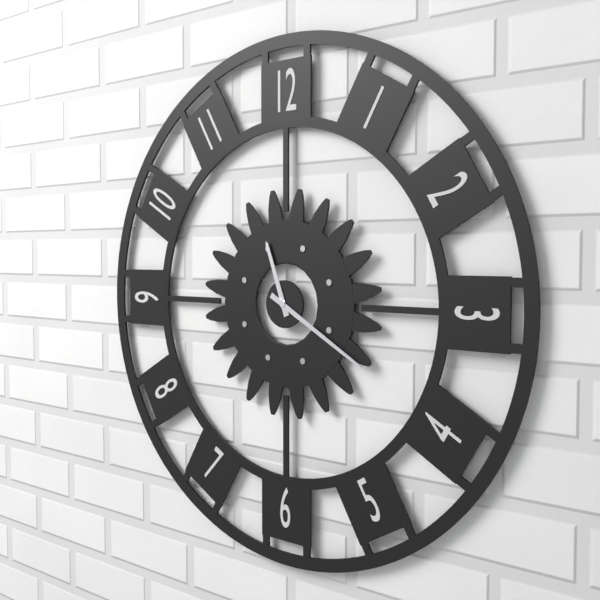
11:20
